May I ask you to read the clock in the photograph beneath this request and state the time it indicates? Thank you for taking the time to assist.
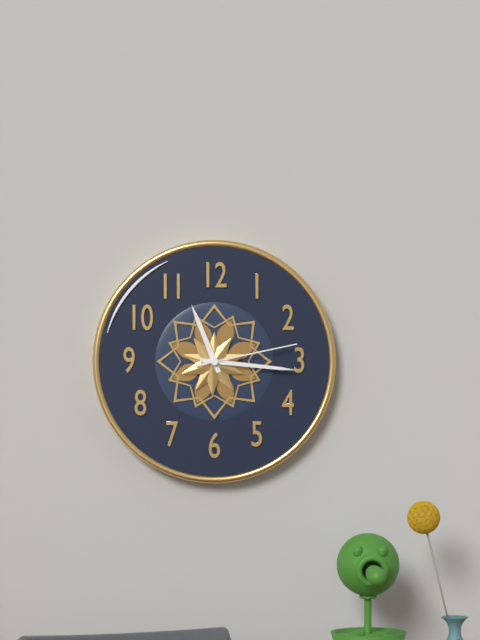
11:16:13
